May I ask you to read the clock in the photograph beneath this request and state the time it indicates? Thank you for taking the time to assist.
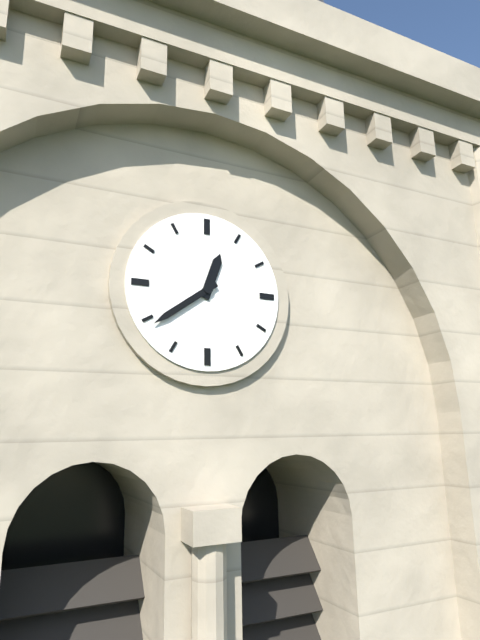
12:39
